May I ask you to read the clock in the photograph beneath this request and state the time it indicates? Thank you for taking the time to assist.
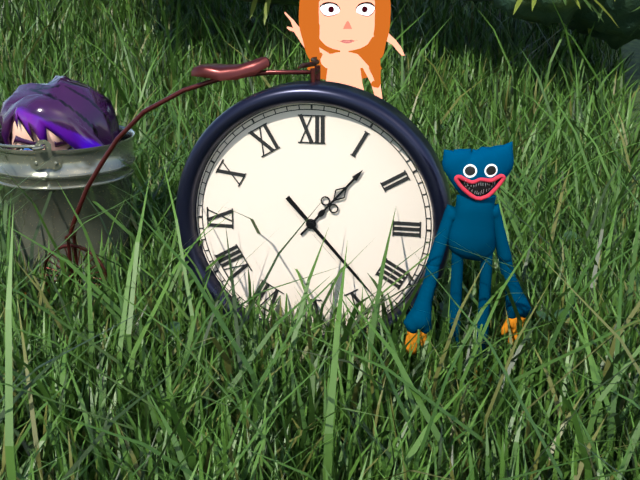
1:23
